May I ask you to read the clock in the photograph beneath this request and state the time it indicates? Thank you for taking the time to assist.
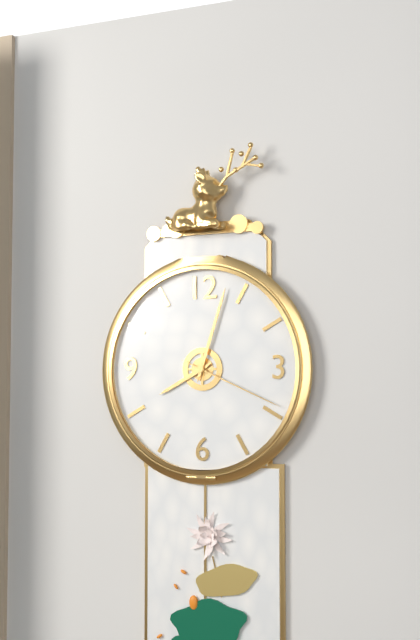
8:03:19
